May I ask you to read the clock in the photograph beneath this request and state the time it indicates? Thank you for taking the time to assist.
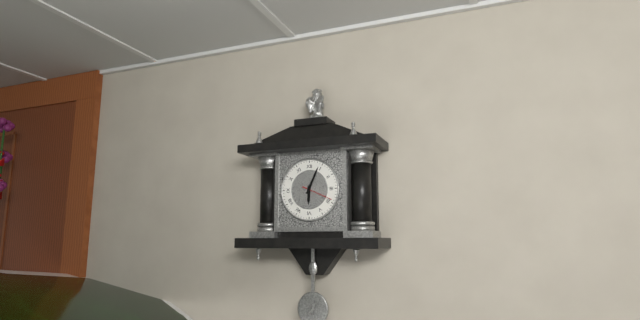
6:04
